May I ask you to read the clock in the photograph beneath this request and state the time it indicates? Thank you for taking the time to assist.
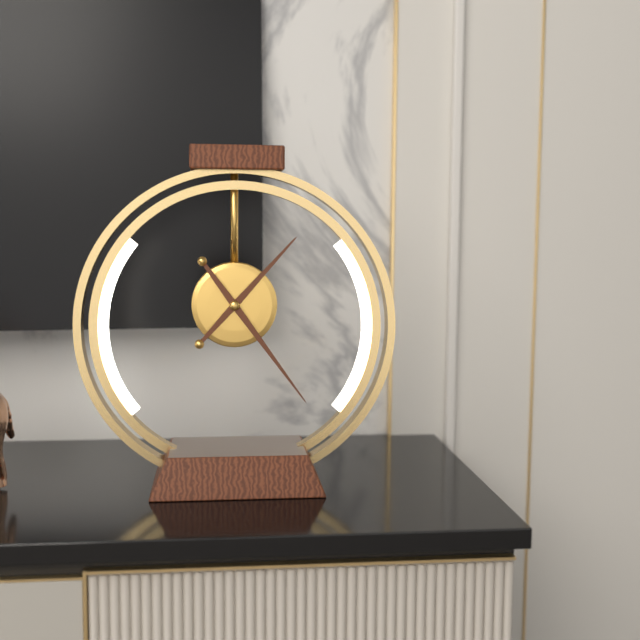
1:24
